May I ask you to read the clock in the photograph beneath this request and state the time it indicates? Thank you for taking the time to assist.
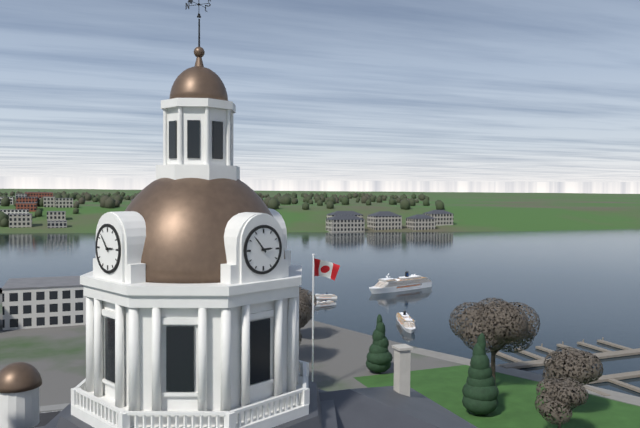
2:53
